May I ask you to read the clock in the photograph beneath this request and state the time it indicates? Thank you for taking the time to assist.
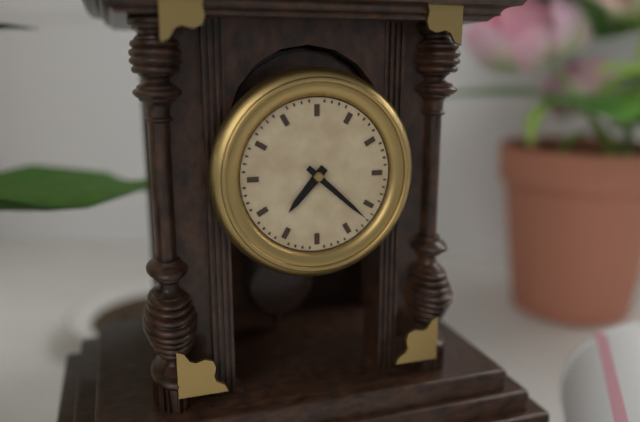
7:22
